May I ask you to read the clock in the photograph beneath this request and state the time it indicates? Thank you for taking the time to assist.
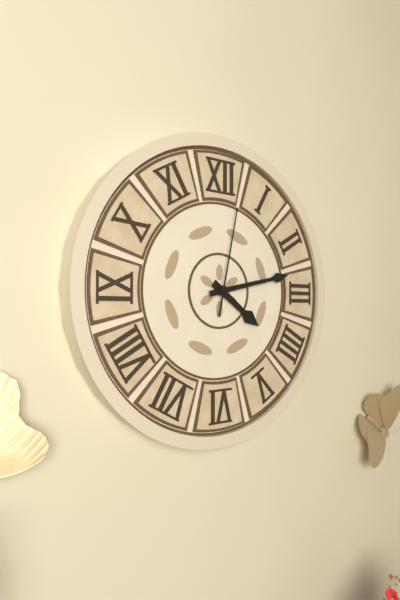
4:13:02
